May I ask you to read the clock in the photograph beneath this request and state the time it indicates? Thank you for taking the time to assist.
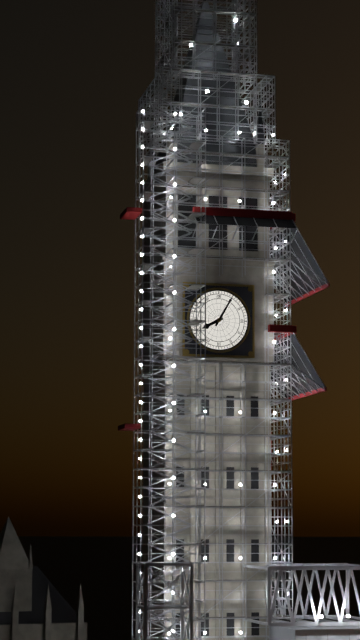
8:05
